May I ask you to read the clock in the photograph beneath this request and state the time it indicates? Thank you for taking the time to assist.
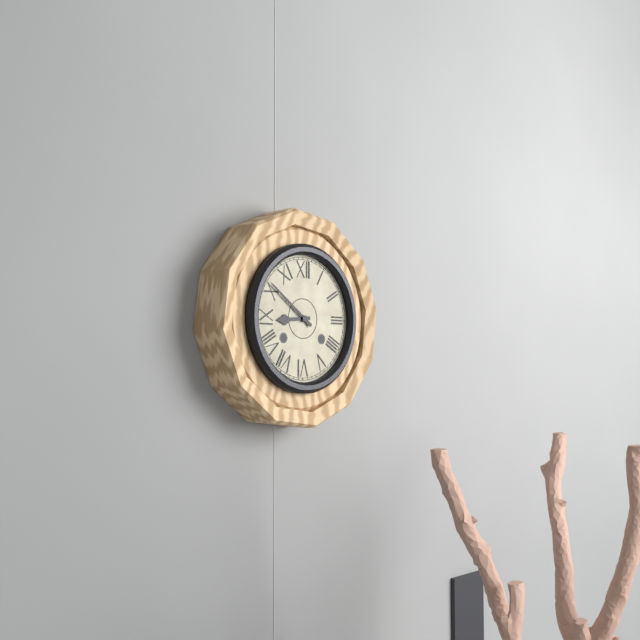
8:51
